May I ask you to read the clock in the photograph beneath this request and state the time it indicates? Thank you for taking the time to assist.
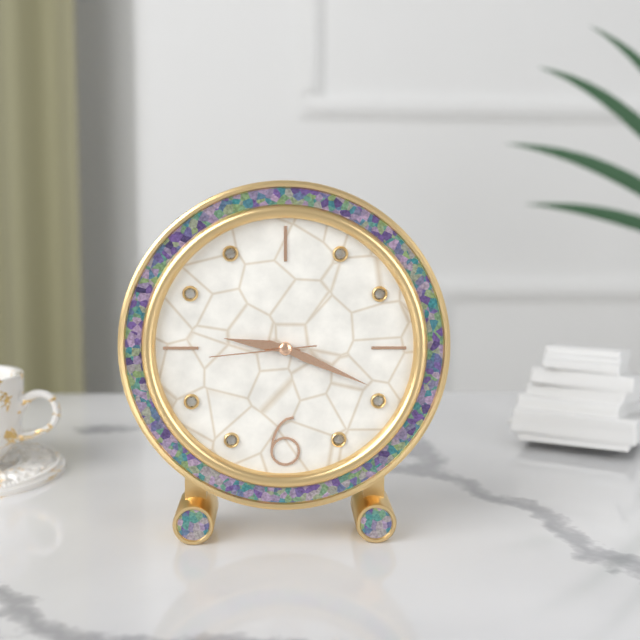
9:19:44
